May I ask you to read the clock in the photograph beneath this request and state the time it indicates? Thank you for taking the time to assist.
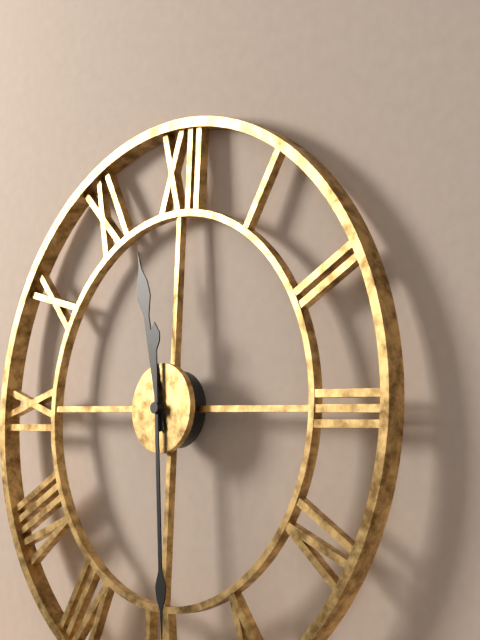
11:29
